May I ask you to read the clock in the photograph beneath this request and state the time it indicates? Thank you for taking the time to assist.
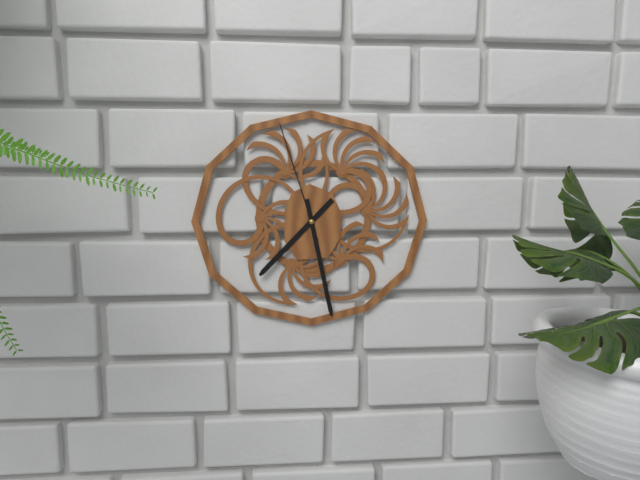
7:28:57
